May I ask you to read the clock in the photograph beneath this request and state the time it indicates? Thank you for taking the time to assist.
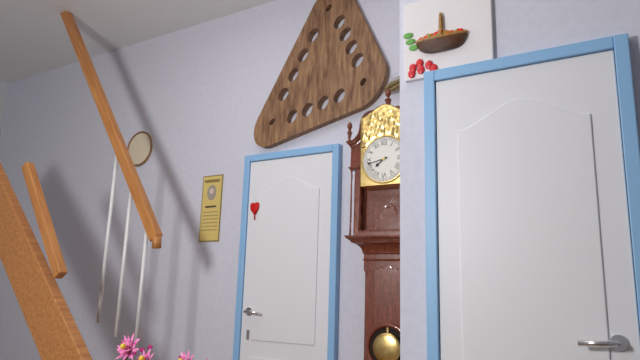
7:43
